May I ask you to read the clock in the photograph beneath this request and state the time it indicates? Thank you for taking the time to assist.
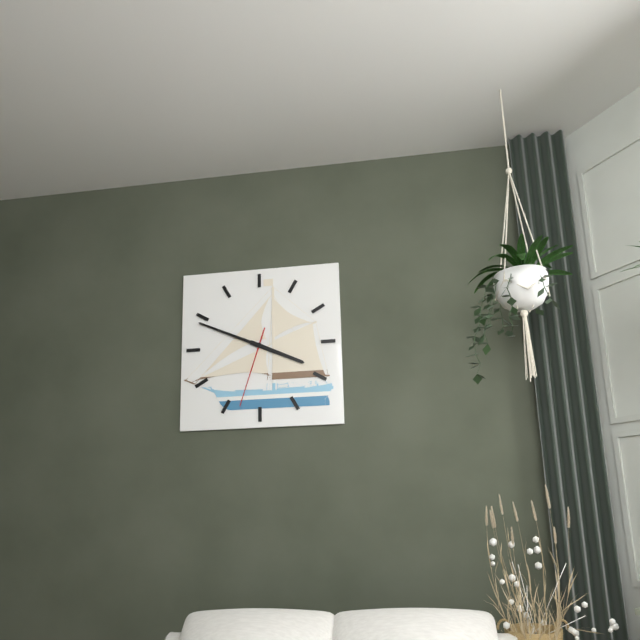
3:49:33
